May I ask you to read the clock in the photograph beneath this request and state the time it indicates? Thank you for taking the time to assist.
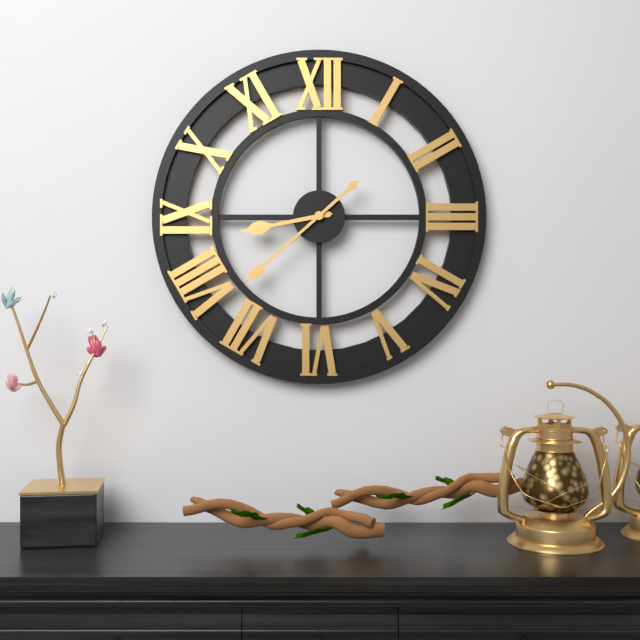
8:38
